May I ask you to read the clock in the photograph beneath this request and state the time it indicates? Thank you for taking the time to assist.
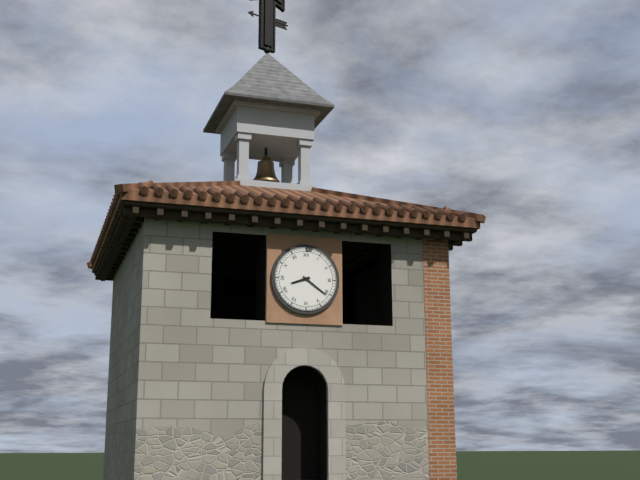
8:21
